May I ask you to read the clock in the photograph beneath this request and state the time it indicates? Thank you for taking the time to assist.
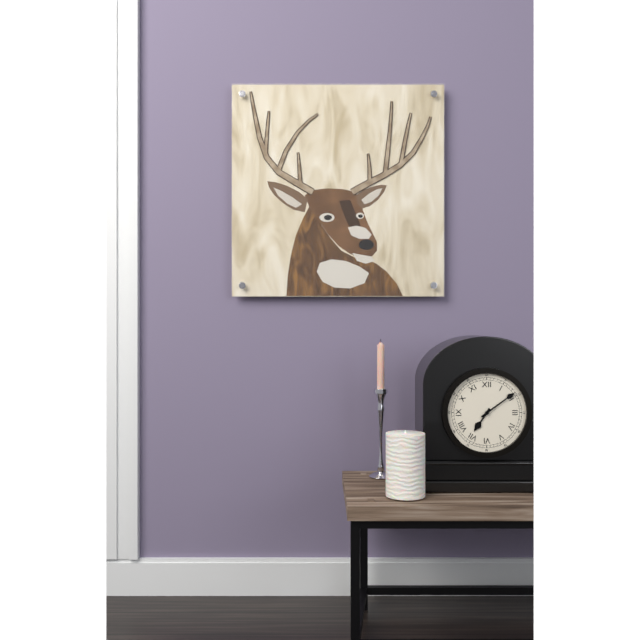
7:09
